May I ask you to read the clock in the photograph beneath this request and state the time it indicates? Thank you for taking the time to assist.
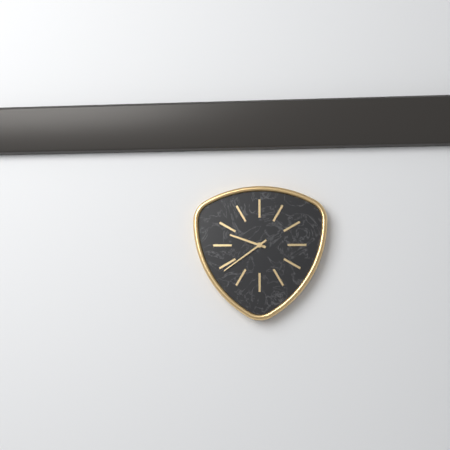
9:39
